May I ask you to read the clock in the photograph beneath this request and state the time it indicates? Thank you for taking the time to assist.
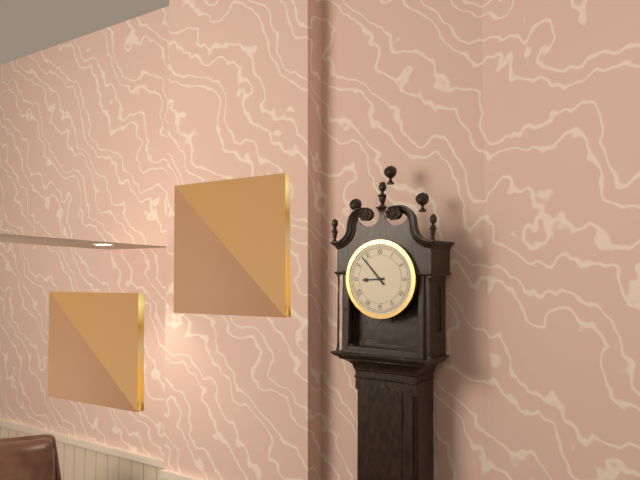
8:53
